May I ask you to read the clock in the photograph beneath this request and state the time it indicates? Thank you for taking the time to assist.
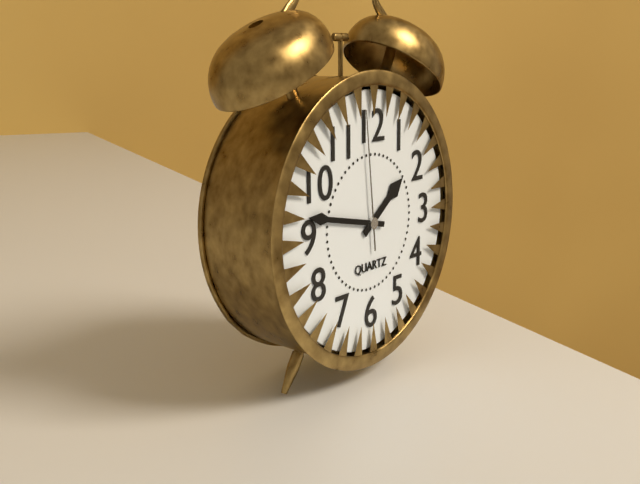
1:47:59
